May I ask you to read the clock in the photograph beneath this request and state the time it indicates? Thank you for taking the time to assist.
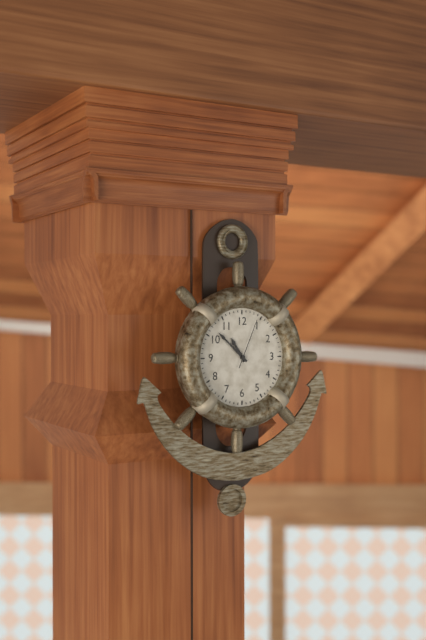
10:52:04
